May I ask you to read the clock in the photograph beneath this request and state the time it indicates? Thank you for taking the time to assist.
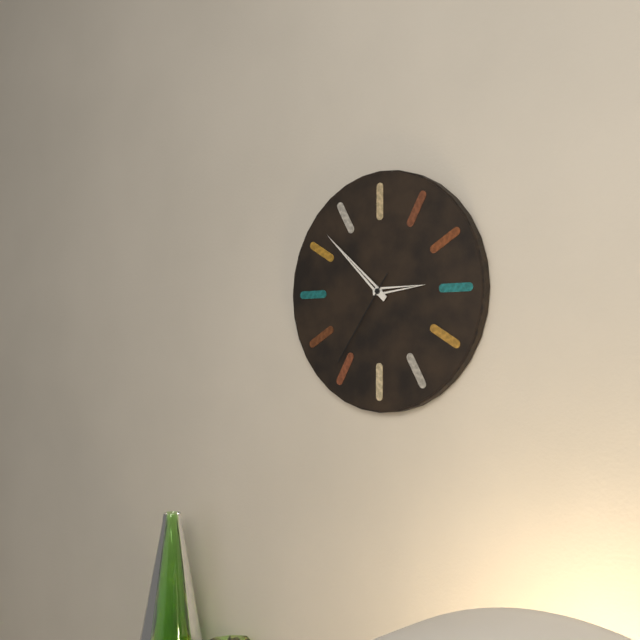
2:52:36
